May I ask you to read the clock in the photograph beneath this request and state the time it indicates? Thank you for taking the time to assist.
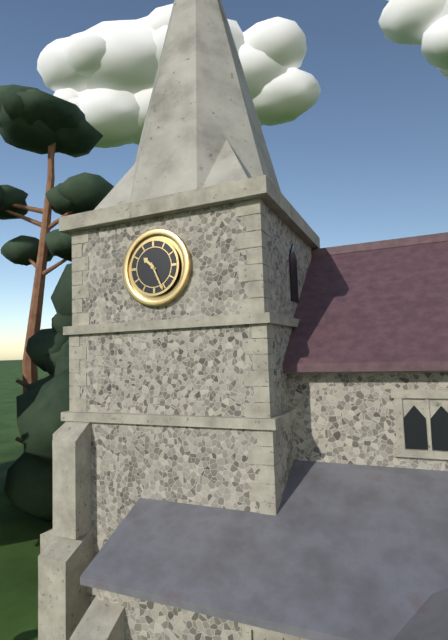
10:26
